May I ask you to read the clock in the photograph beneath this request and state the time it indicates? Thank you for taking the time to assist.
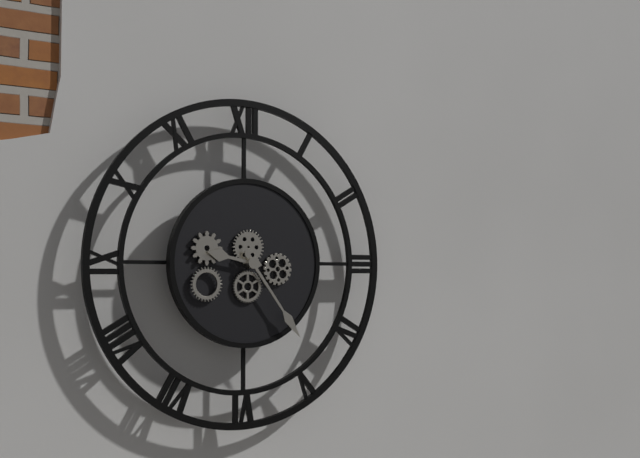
9:24
